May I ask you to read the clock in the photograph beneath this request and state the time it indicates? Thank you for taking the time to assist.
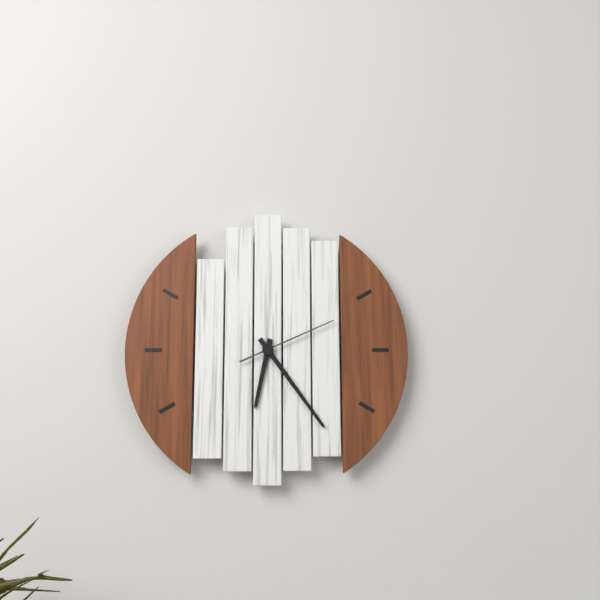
6:24:11
